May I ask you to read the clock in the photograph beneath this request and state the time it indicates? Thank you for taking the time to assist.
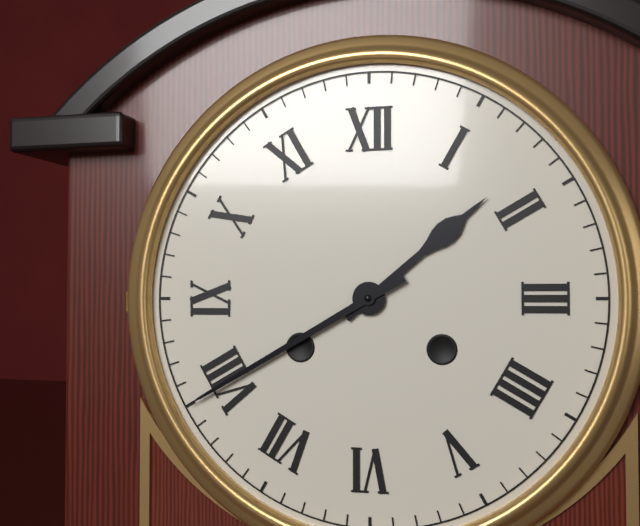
1:40
